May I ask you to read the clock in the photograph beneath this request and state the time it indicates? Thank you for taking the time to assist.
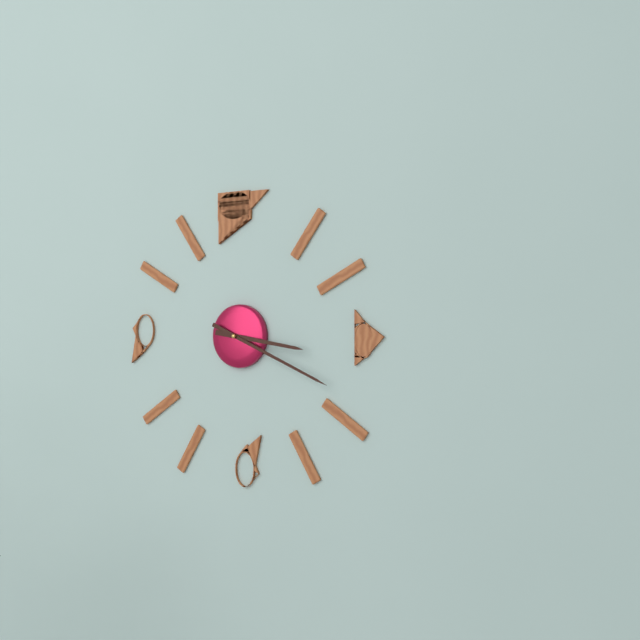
3:19
